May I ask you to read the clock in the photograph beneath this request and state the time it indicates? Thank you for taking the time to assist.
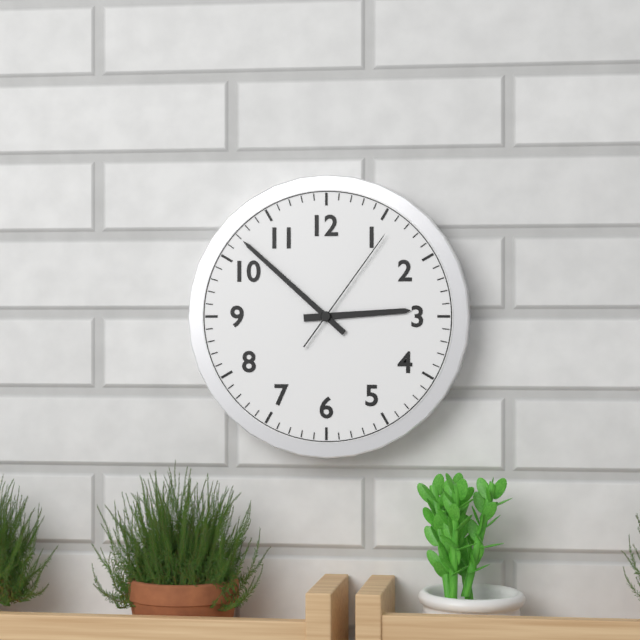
2:52:06
